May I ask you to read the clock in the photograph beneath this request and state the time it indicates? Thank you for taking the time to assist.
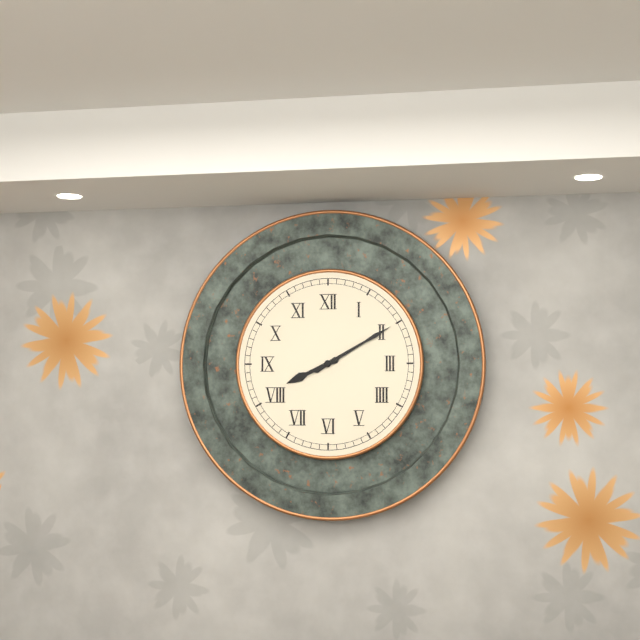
8:10
